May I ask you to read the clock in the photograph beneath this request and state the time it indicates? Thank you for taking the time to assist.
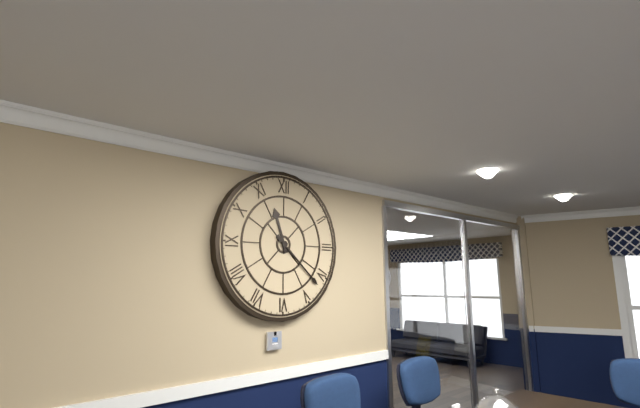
11:22
